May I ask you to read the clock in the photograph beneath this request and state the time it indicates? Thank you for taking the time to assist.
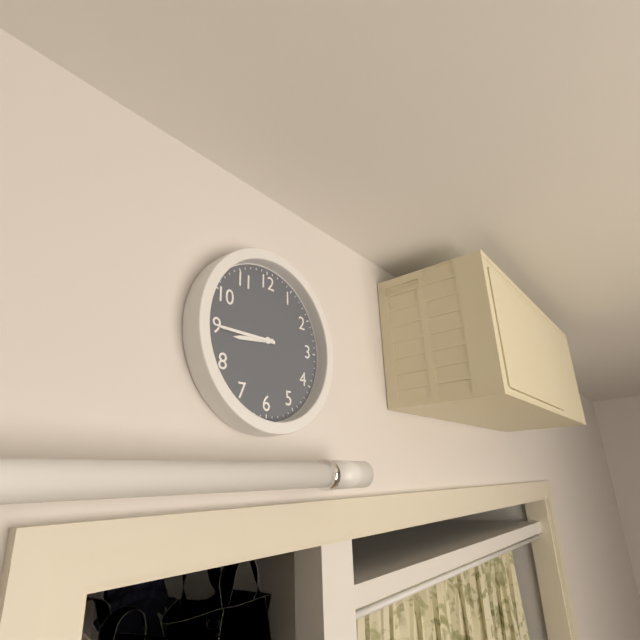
8:45
